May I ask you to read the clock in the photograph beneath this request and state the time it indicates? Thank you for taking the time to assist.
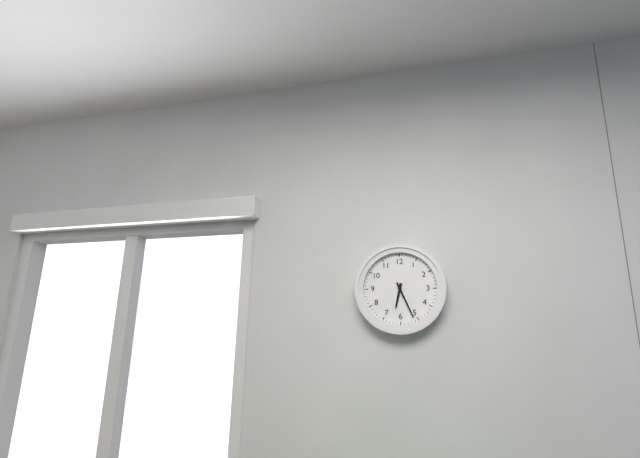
6:26
